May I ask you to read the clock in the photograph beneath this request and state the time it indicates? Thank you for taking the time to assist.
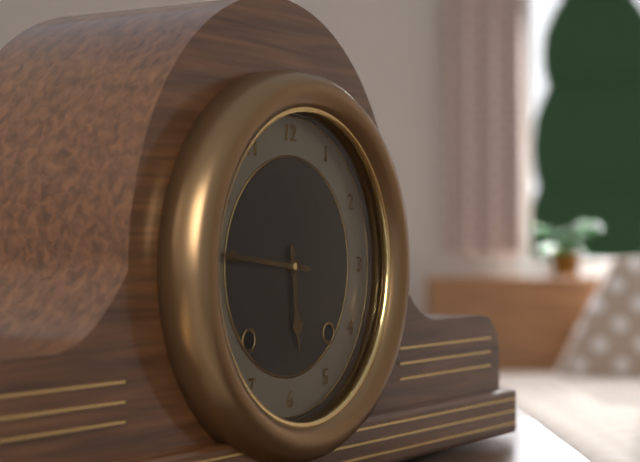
5:46
